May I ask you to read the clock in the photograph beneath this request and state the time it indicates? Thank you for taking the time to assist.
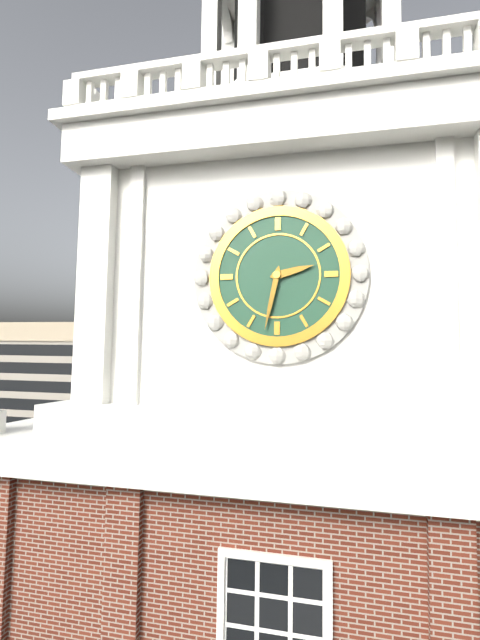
2:32
